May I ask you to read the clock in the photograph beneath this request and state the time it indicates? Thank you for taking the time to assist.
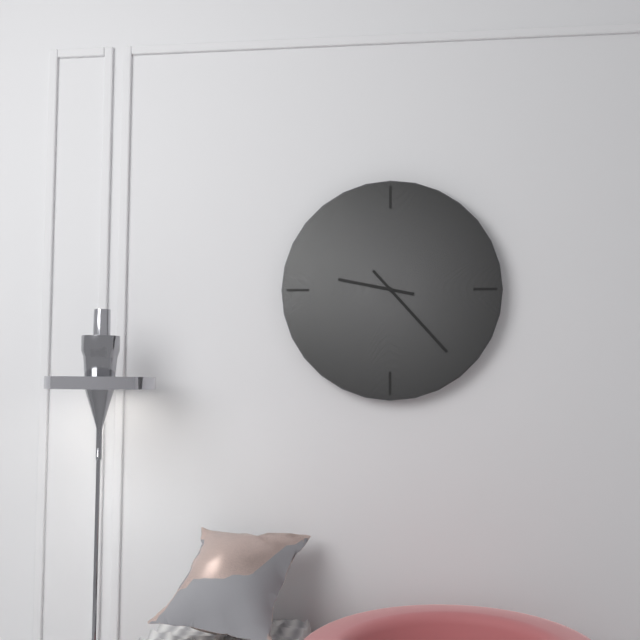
9:23
